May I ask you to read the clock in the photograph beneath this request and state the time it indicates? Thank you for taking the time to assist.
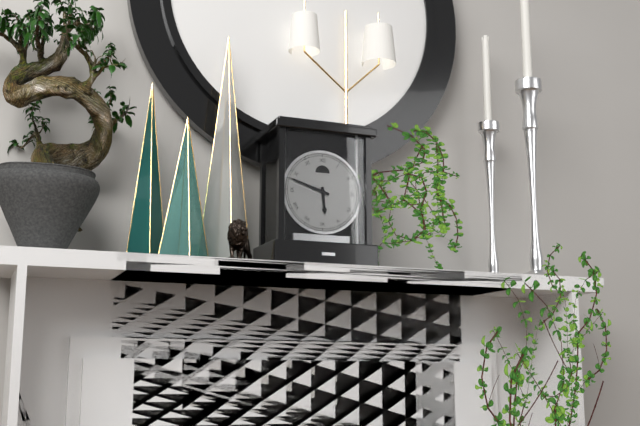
5:48
